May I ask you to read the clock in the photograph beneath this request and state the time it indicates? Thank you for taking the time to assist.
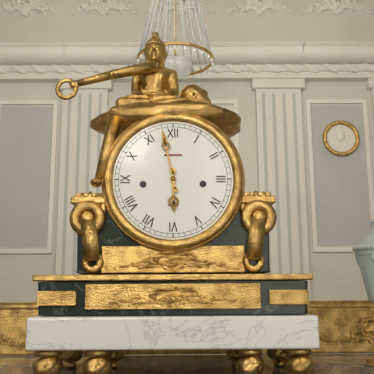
5:58
